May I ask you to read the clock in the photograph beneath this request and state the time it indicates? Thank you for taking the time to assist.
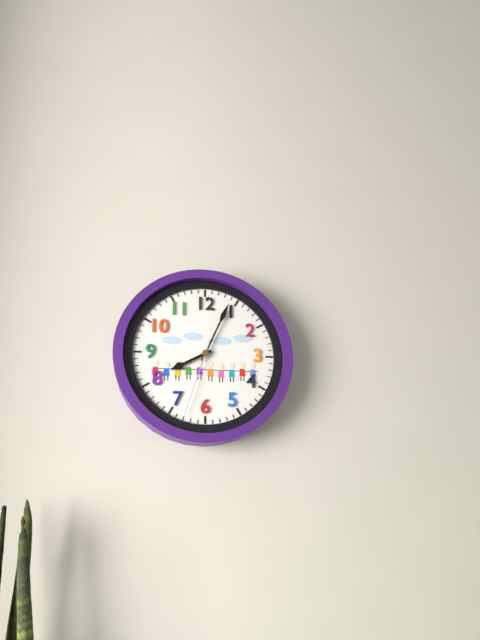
8:04:33
